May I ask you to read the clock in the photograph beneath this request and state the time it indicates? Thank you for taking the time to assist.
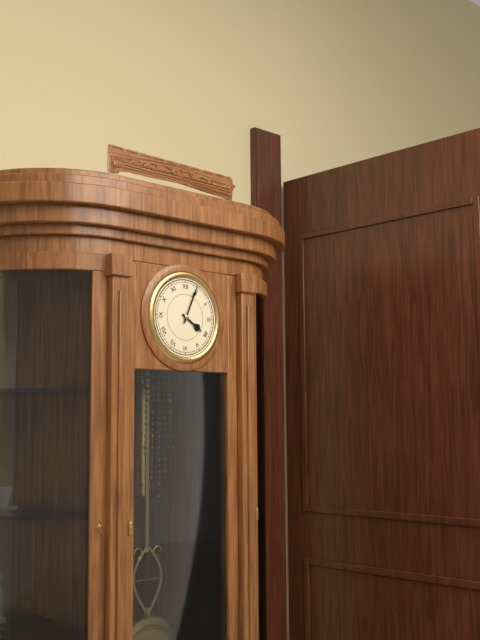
4:04
